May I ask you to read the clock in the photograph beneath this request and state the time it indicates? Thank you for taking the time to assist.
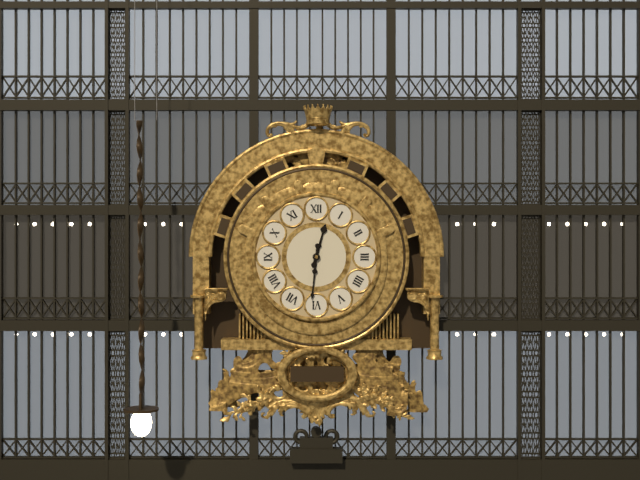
12:31
